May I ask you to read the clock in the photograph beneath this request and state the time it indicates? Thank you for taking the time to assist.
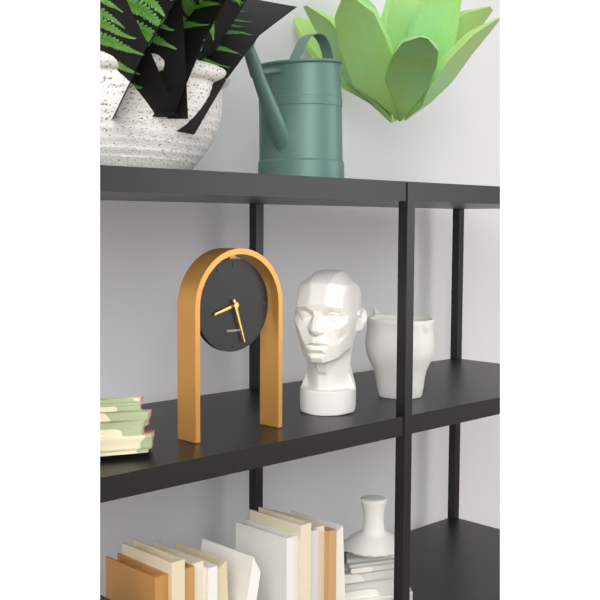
8:27
